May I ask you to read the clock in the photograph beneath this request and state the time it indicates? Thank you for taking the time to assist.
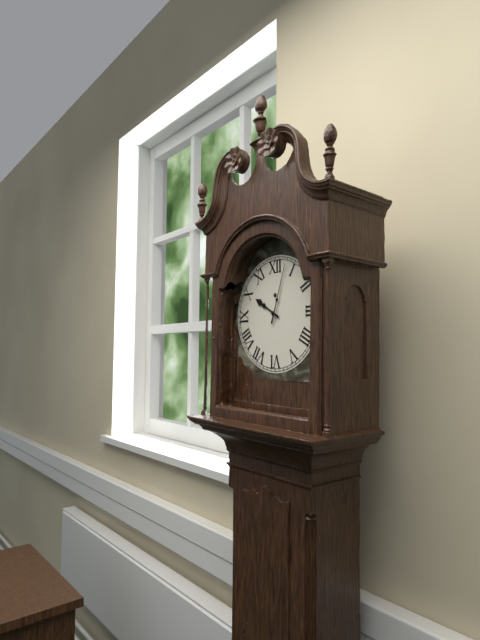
10:03
